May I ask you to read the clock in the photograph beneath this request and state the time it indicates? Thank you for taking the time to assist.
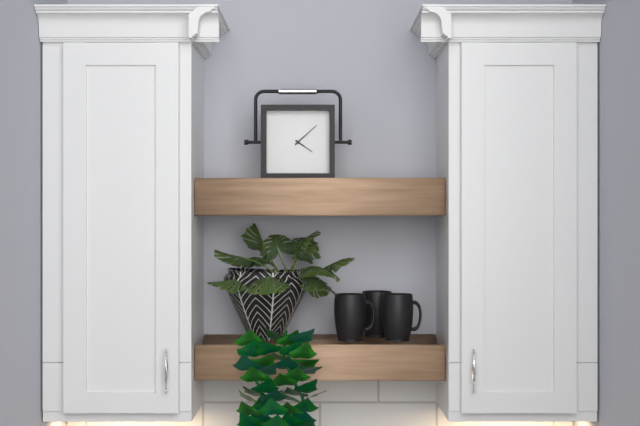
4:08
